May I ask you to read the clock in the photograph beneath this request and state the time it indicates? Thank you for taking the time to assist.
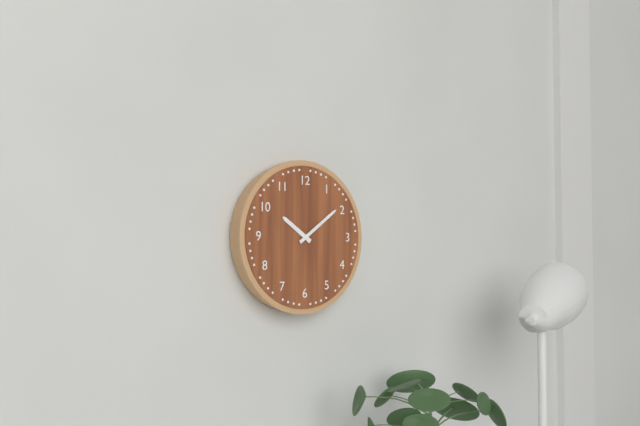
10:09
